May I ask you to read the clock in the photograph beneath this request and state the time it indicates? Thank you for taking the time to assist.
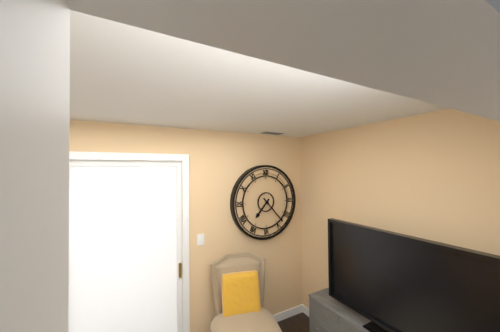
7:23
